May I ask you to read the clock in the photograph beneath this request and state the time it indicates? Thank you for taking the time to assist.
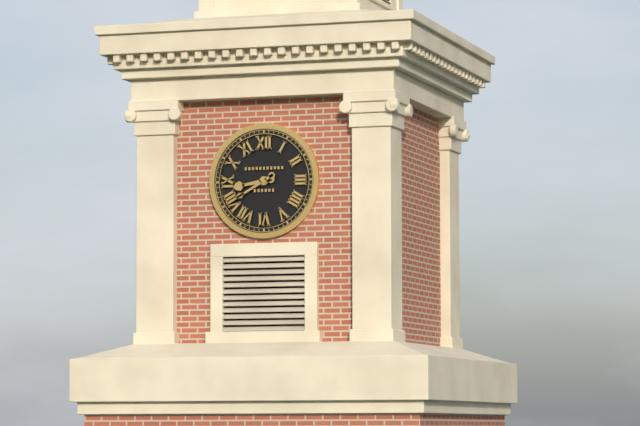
8:40
